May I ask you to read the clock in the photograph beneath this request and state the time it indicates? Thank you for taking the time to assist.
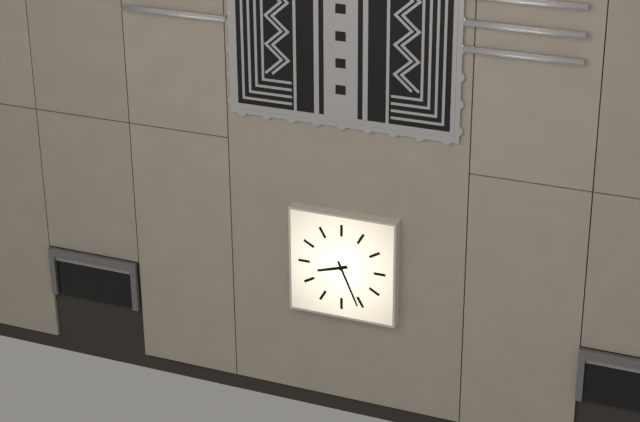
8:26
